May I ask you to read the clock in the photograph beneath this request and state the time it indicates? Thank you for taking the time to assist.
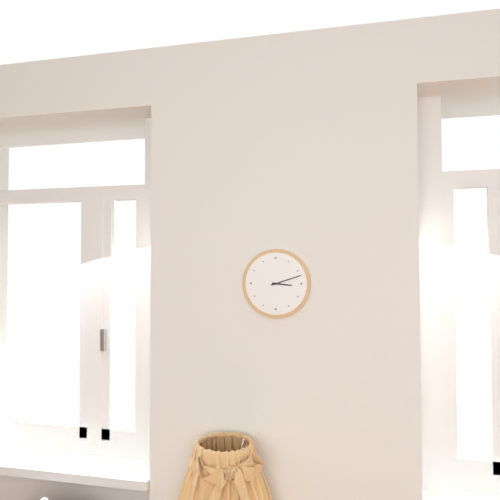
3:12
